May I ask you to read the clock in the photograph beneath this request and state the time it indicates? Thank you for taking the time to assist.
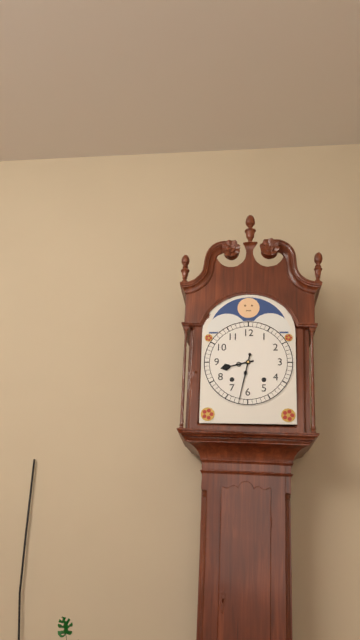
8:32
